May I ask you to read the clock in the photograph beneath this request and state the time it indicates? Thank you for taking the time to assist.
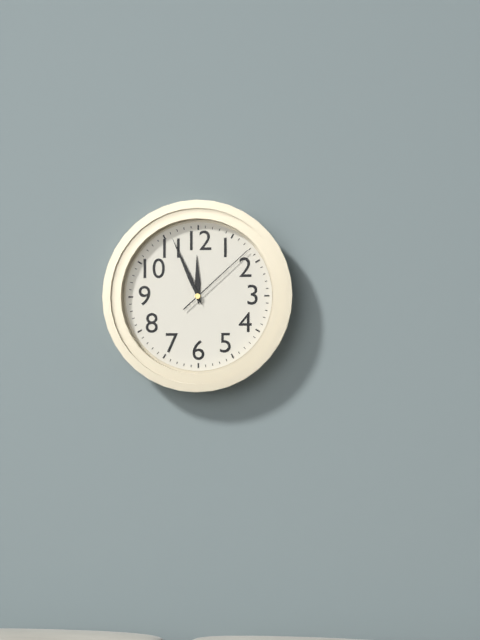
11:56:08
